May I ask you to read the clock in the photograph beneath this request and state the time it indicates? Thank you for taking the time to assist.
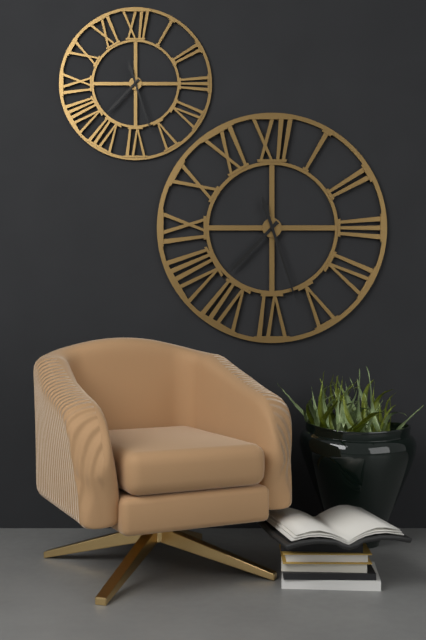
7:27
